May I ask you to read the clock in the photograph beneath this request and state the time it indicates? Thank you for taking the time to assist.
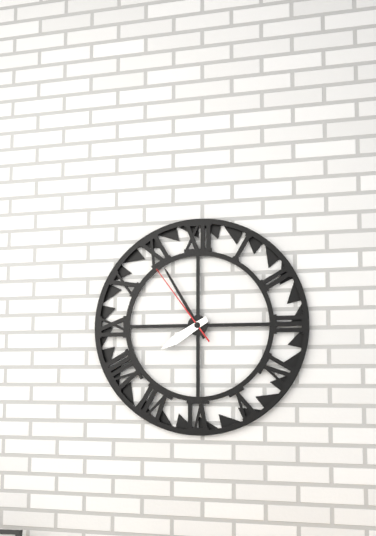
7:55:54
